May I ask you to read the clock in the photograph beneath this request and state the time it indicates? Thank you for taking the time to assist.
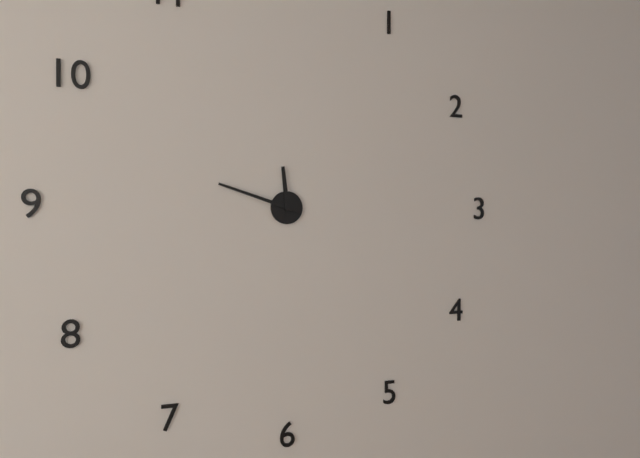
11:48
